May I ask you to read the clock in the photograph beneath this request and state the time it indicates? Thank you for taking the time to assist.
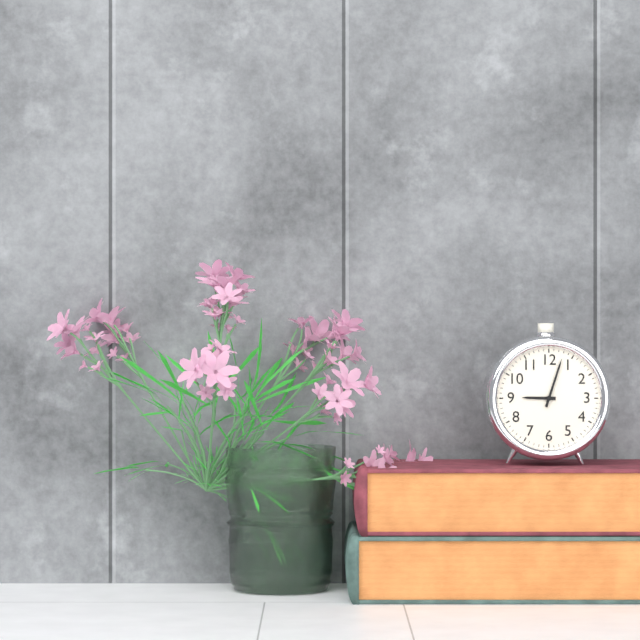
9:03
